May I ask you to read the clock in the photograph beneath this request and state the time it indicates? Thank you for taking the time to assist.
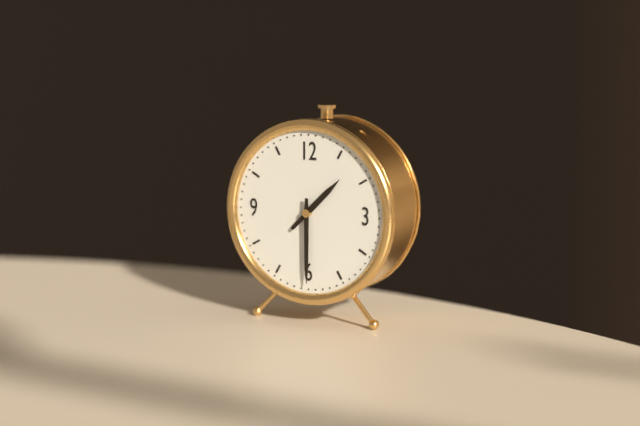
1:30
